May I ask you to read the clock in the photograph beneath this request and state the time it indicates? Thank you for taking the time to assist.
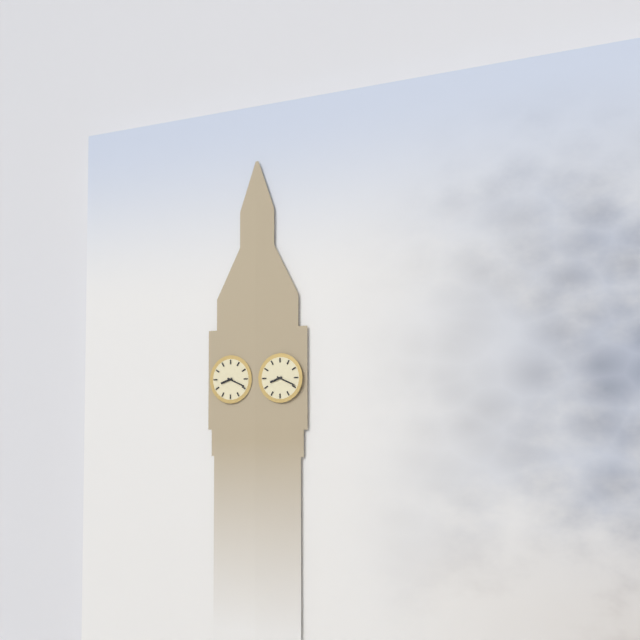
8:19
